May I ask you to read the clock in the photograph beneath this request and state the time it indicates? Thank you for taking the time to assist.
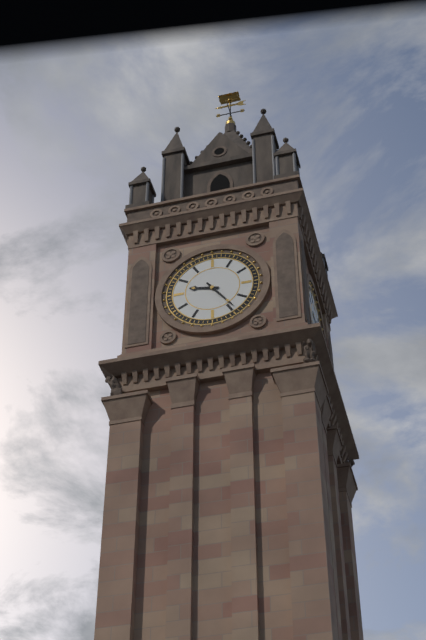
9:24
